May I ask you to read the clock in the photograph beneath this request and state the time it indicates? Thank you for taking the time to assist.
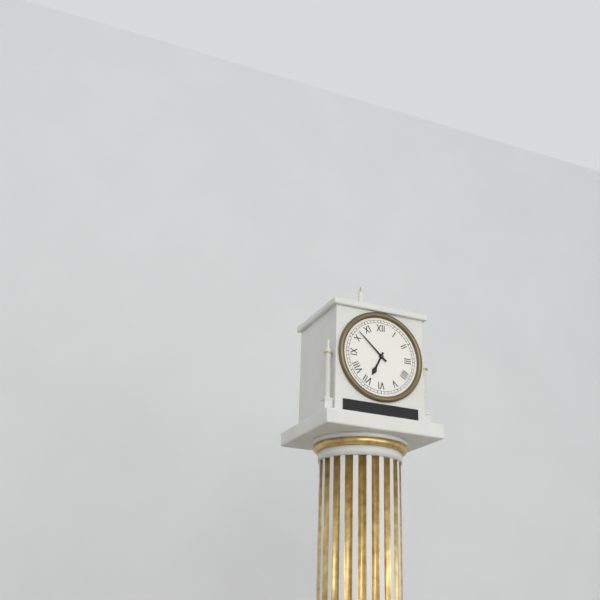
6:52
